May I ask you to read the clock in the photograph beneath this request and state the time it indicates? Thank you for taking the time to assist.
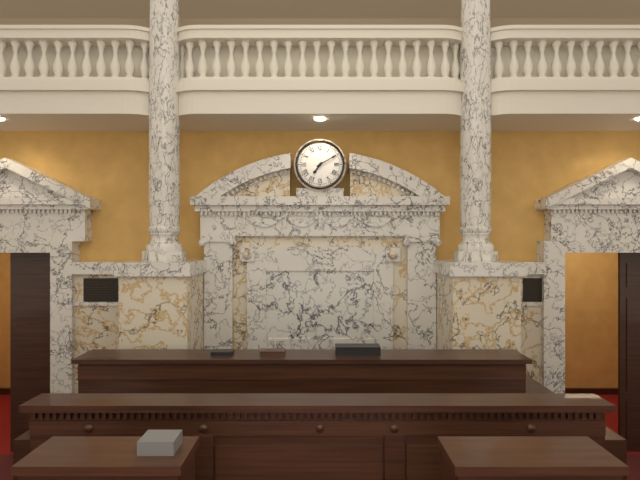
7:10
